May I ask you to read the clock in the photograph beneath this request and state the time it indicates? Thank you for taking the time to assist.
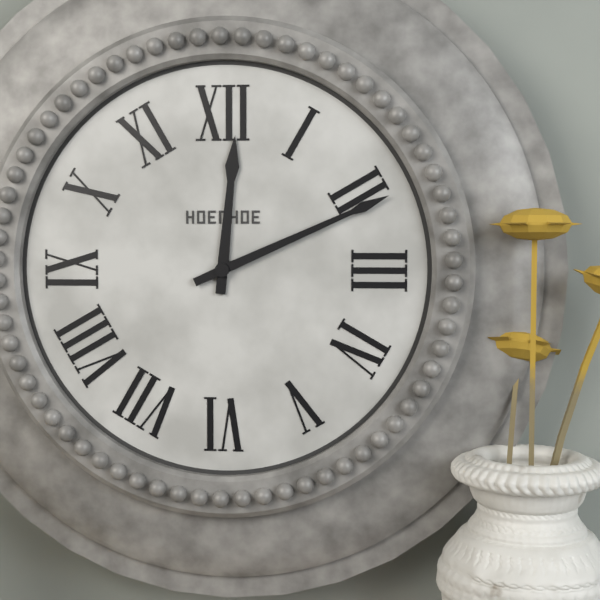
12:11
